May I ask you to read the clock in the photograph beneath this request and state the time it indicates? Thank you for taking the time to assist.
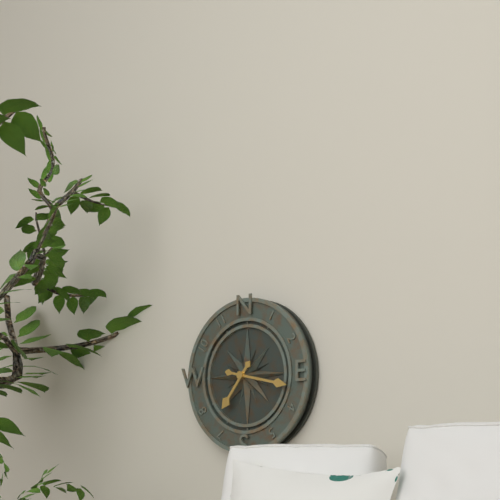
7:17
